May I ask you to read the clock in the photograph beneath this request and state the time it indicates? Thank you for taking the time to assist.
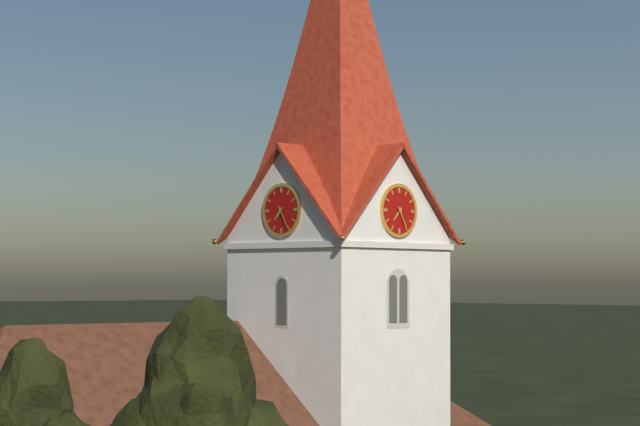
7:25
